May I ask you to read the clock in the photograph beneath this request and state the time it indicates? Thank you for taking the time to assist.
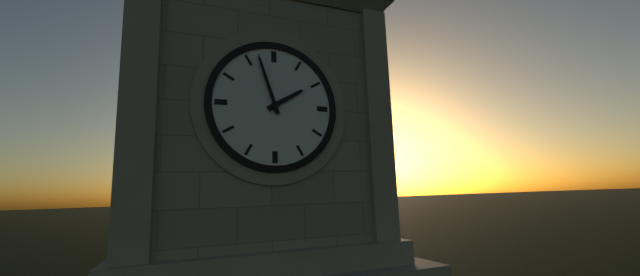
1:57
